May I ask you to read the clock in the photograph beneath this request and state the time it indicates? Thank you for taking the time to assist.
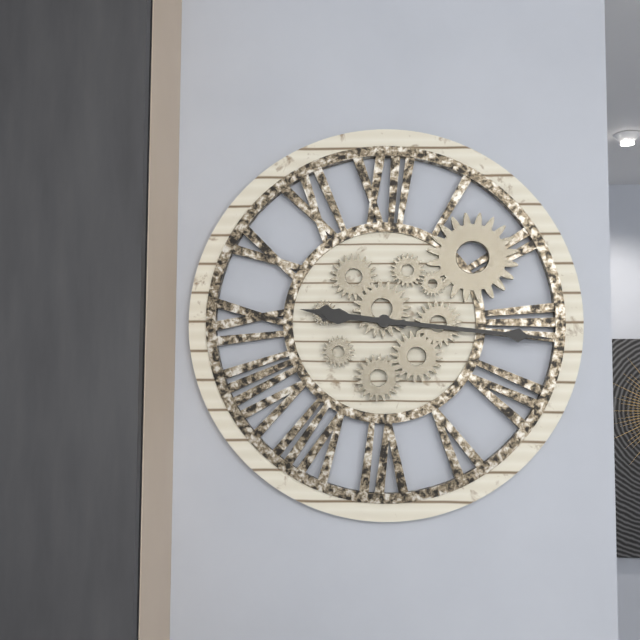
9:16
